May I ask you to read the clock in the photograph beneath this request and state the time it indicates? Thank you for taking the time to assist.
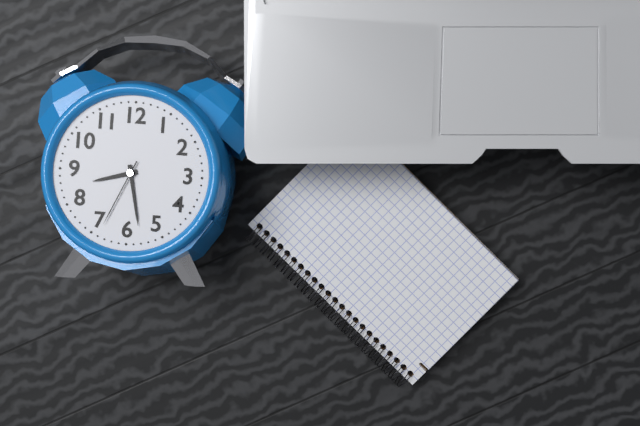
8:28:34
